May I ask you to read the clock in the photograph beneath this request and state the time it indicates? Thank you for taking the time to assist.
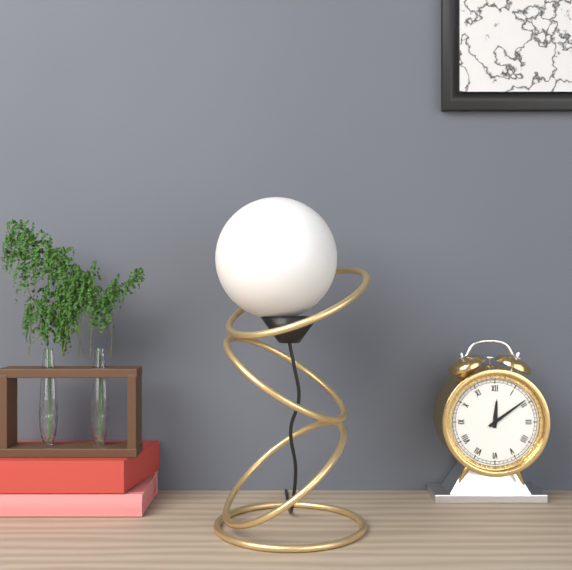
12:09
